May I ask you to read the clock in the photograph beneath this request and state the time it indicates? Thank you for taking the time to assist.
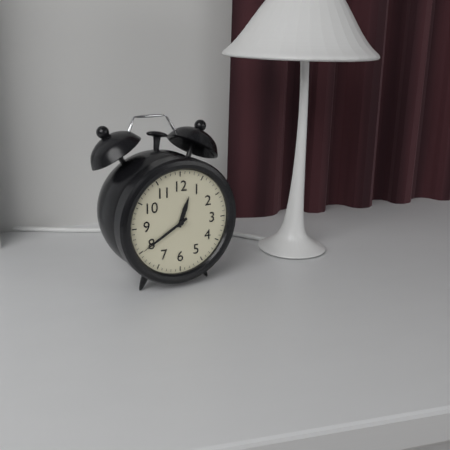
12:40
